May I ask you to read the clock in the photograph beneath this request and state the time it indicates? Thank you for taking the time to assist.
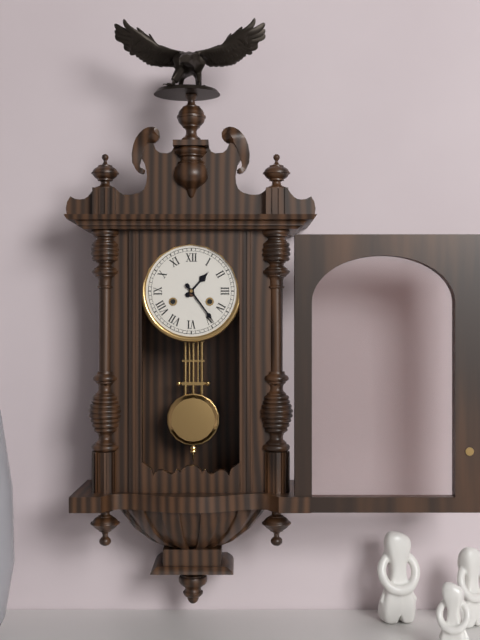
1:24
